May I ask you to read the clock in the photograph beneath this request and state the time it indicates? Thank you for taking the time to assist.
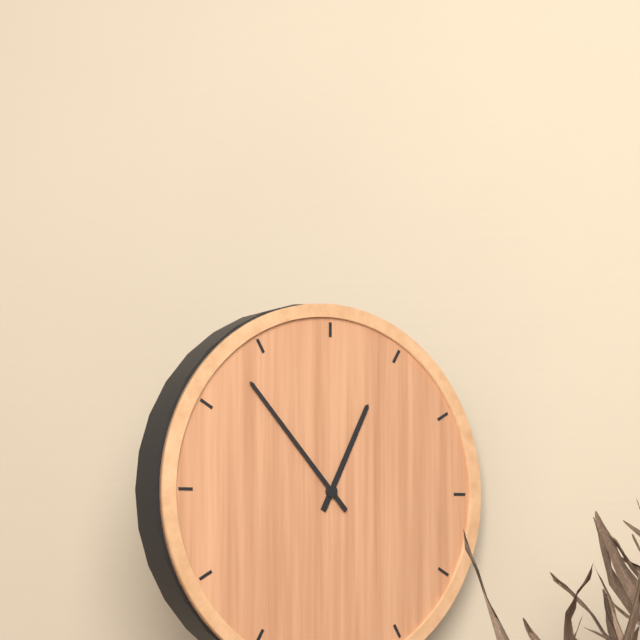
12:53
